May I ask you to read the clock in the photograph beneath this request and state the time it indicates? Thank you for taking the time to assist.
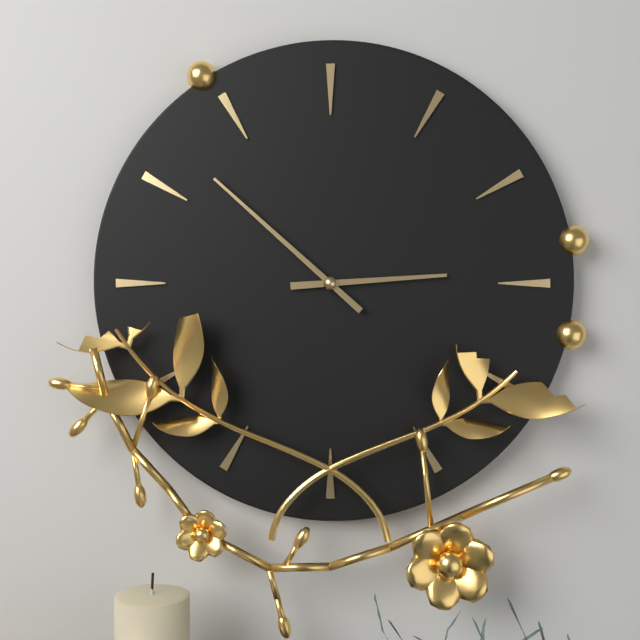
2:52
